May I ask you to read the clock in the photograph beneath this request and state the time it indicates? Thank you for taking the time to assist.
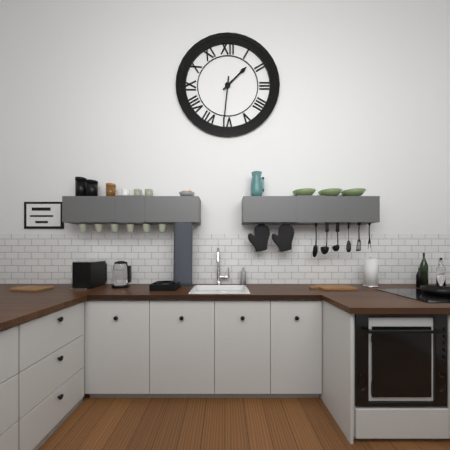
1:31
